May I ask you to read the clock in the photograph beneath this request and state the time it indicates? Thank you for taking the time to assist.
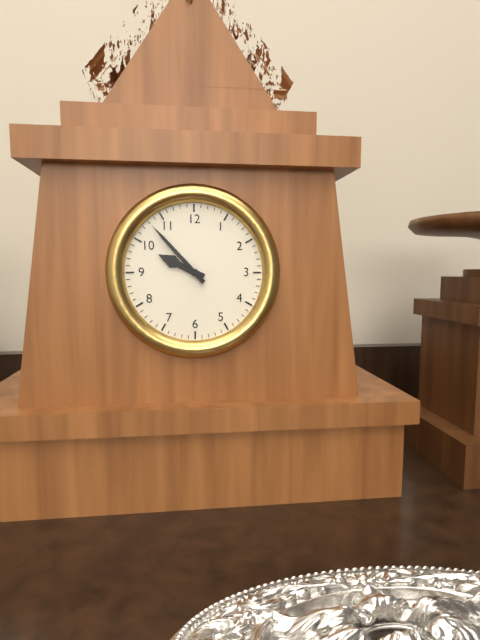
9:53
